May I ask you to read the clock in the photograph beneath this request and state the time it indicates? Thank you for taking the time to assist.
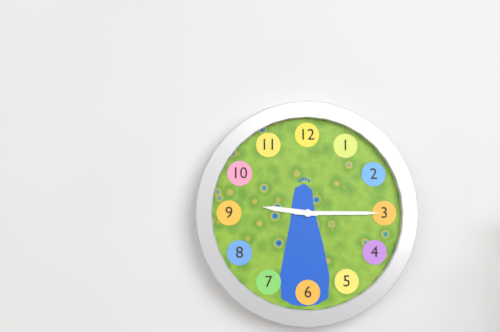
9:15
